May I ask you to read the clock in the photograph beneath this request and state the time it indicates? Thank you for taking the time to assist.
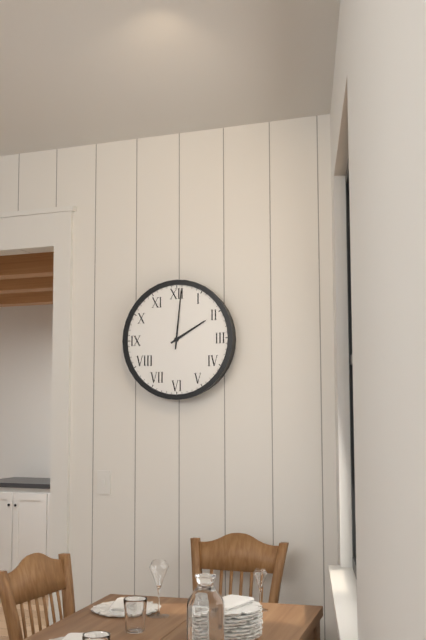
2:01
